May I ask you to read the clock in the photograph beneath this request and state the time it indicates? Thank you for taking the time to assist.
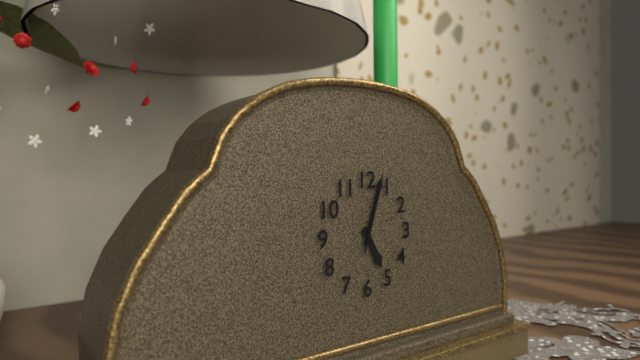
5:03:03
